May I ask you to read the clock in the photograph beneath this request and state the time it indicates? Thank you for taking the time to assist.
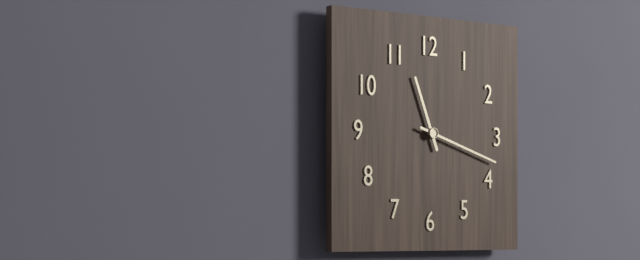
11:18
